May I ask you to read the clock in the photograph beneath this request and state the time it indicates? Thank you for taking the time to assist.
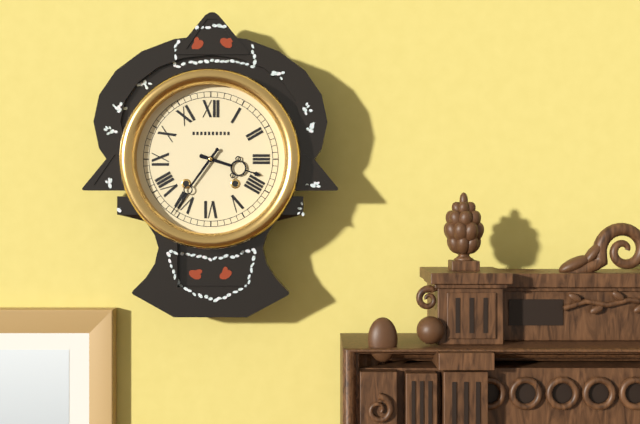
3:36
